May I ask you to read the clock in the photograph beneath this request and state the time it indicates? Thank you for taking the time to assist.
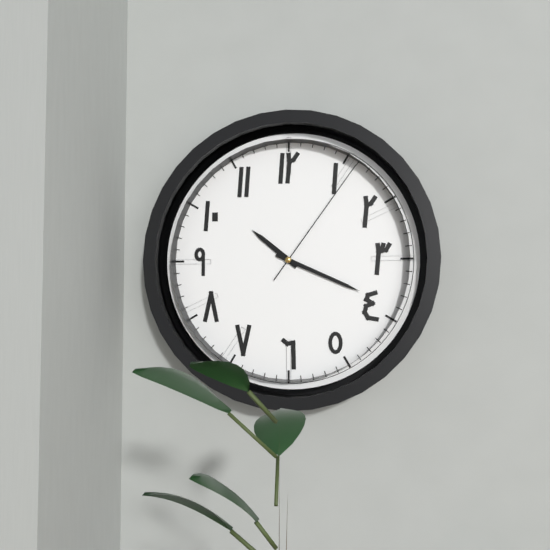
10:19:06
